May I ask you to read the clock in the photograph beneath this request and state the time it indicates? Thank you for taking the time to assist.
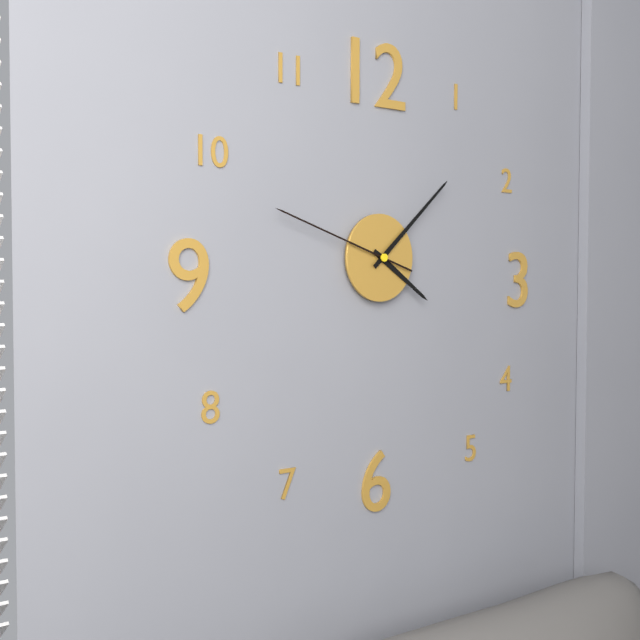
4:08:48
